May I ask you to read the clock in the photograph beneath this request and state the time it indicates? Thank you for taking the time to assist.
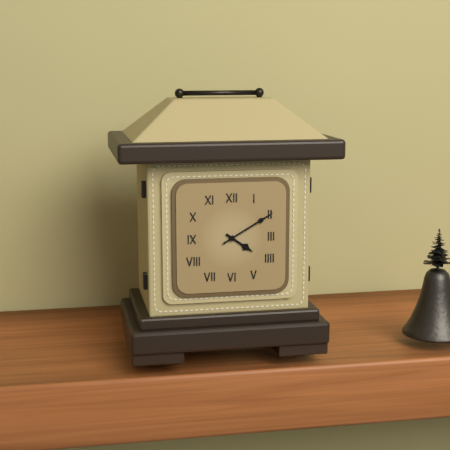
4:10
